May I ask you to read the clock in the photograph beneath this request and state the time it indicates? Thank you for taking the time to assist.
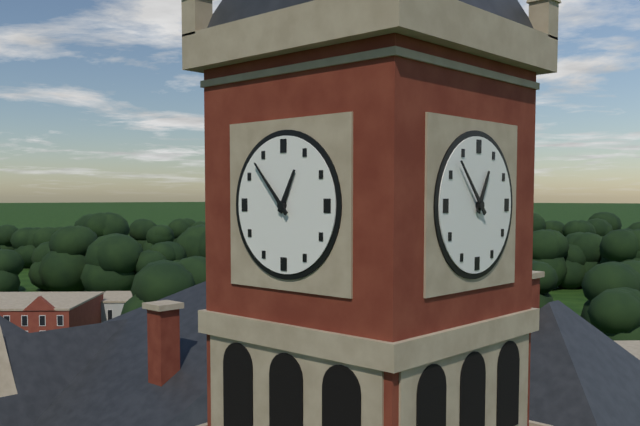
12:53
